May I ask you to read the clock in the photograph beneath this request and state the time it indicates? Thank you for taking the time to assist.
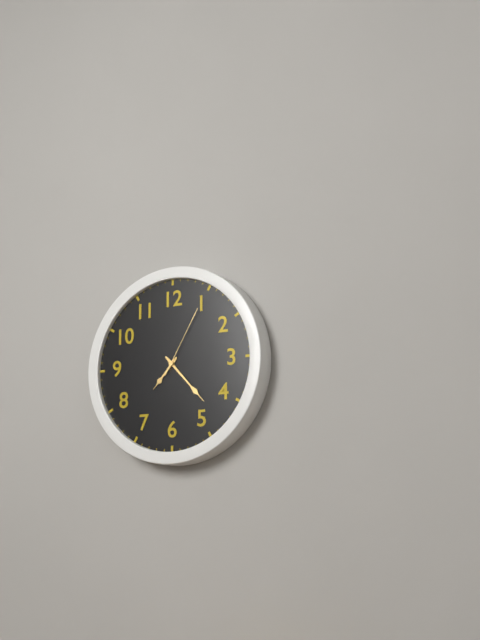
7:23:05
